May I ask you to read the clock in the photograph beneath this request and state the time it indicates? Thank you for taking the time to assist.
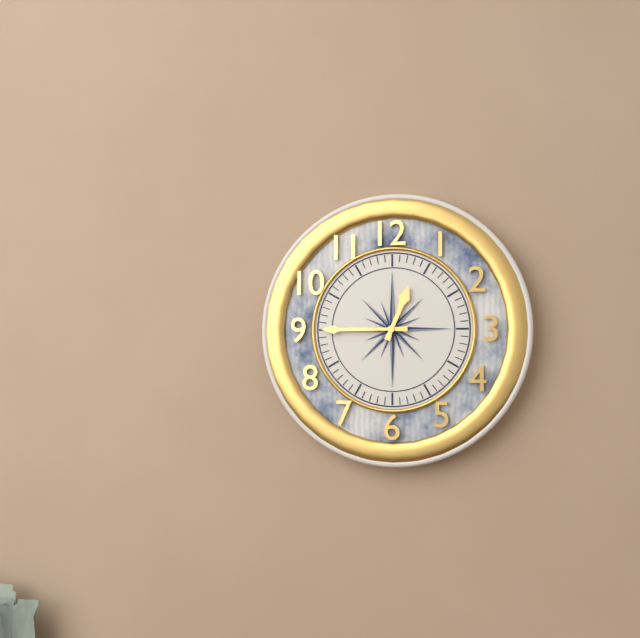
12:45
